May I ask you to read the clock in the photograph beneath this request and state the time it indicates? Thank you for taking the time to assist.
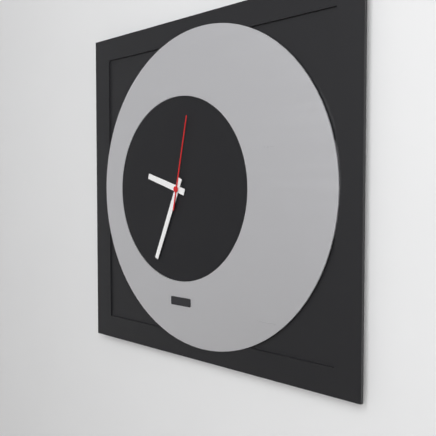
9:34:02
